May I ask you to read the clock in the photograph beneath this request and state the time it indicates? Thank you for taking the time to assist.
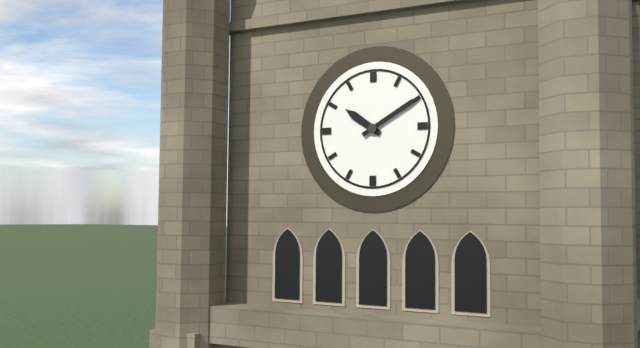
10:10
